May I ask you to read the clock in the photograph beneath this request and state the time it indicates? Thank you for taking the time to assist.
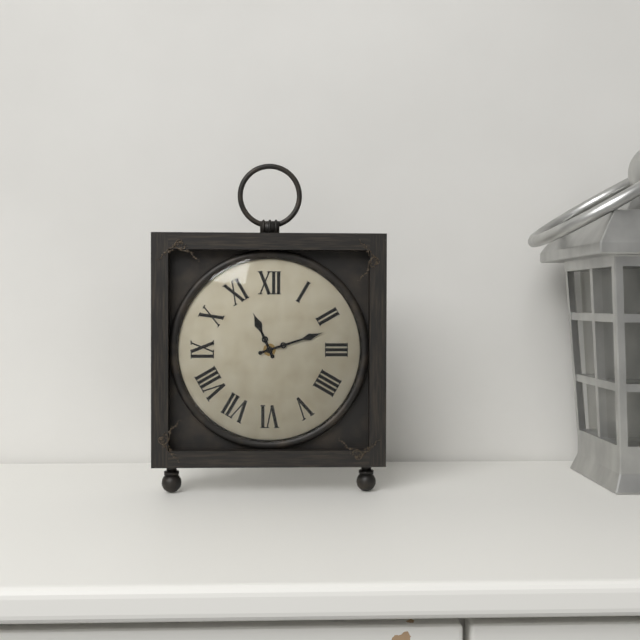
11:12
